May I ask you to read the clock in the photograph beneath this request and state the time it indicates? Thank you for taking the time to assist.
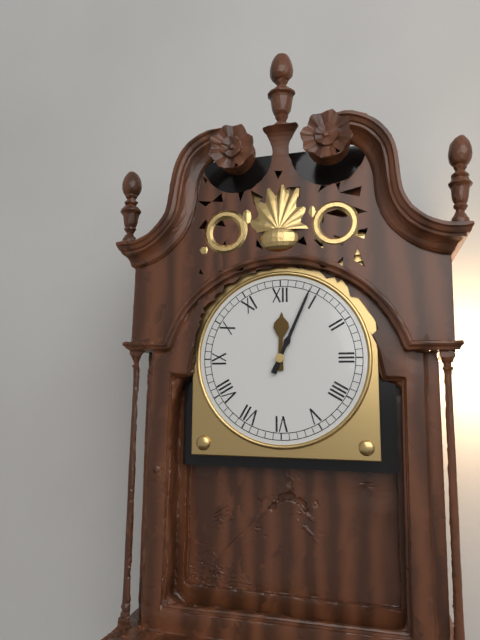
12:04
